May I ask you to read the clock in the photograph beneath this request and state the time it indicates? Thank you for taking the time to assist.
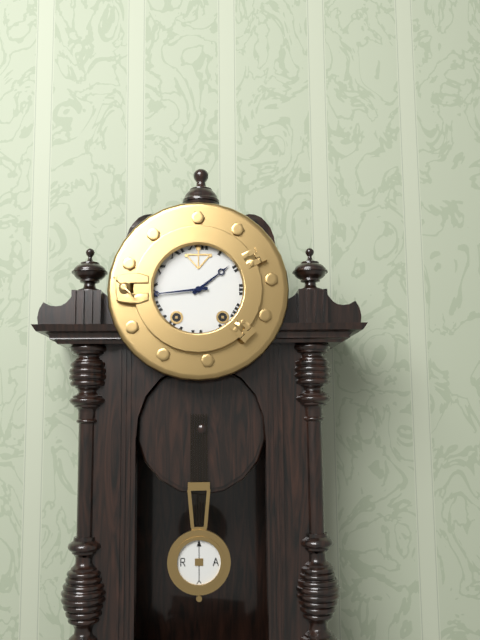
1:44
